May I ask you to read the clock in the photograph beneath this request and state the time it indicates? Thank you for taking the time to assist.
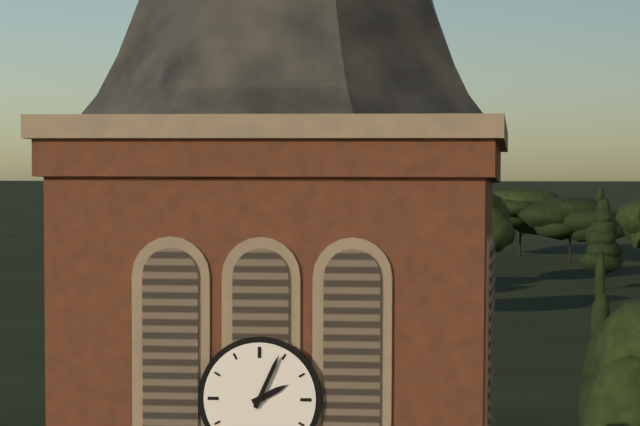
2:04
